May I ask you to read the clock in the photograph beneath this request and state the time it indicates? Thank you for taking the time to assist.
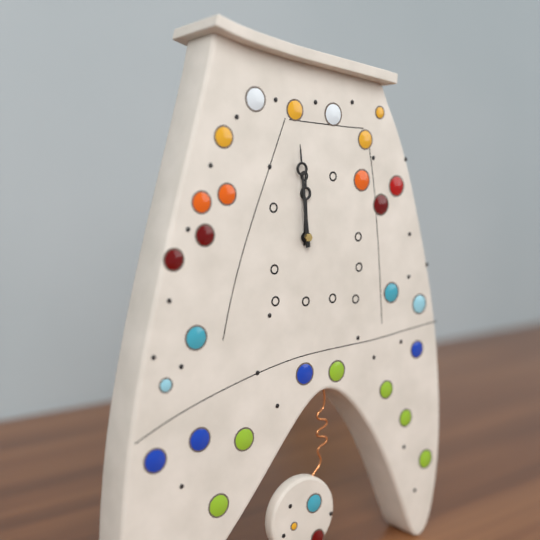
11:59
